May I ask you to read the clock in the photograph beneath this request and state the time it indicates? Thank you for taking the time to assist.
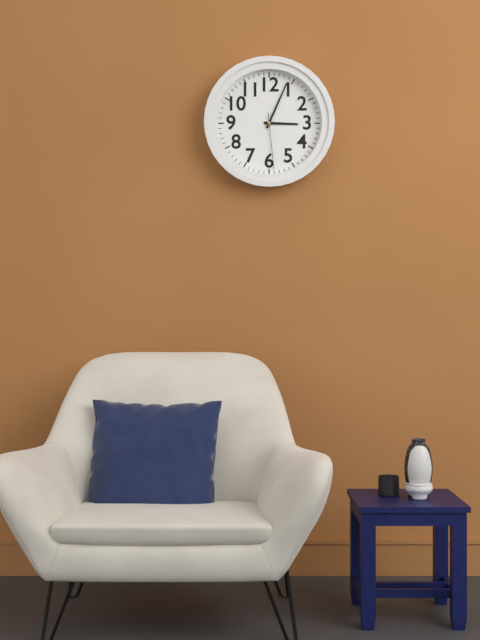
3:04:29
